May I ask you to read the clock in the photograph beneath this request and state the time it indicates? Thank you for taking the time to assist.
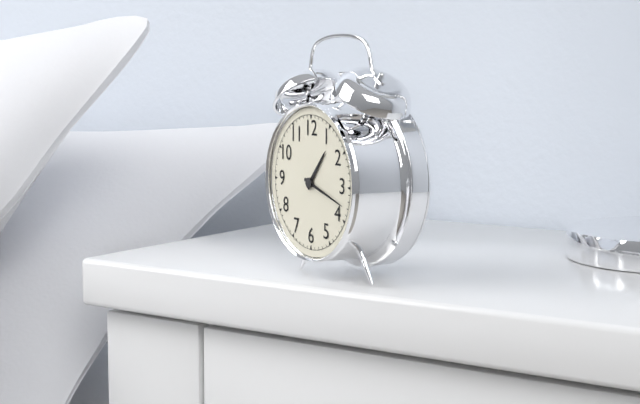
1:18
